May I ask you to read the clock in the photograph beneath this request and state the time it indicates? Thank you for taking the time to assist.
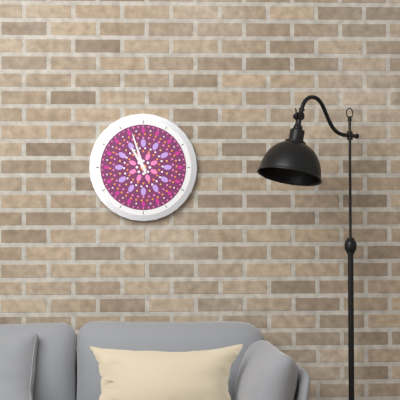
10:57
